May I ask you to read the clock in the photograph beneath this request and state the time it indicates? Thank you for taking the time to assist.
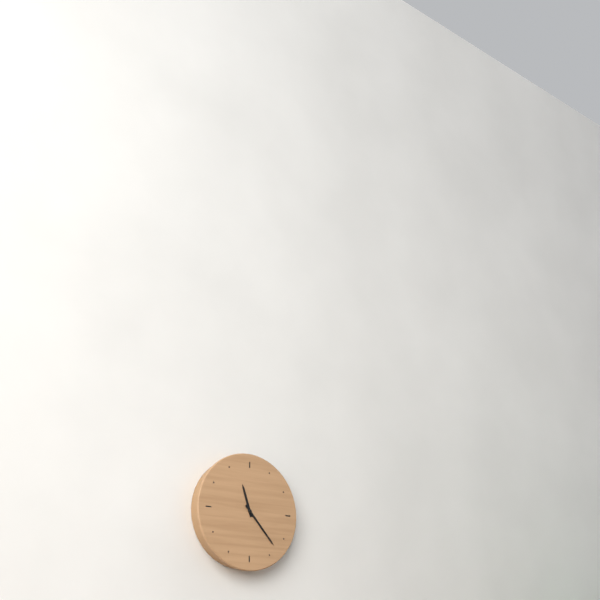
11:23
